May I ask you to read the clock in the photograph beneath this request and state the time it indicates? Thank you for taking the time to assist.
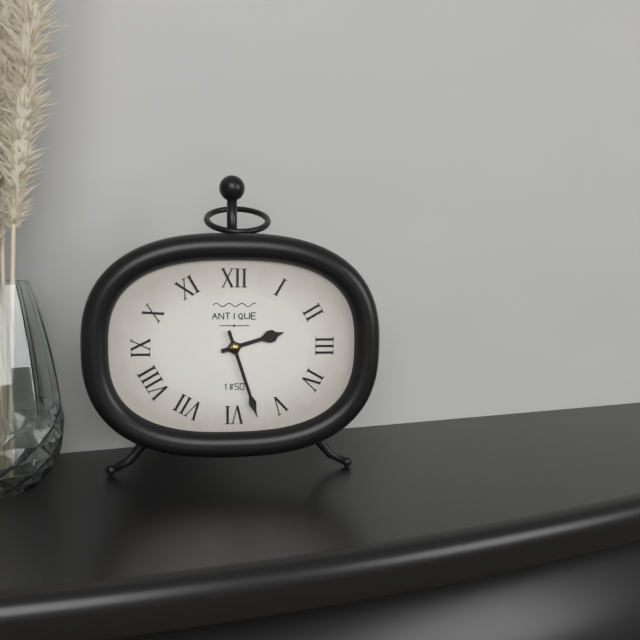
2:27
